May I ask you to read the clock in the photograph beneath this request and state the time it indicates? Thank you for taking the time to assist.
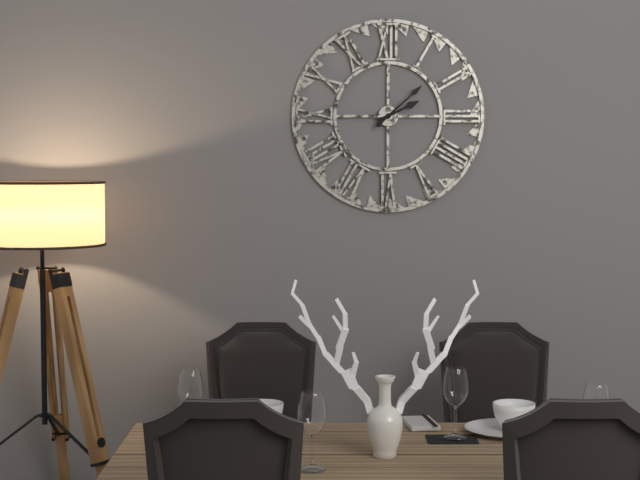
2:08
